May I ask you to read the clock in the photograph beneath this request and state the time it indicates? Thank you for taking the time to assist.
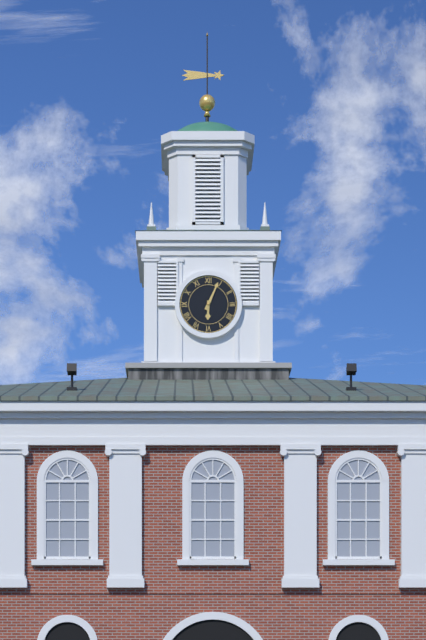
6:04
